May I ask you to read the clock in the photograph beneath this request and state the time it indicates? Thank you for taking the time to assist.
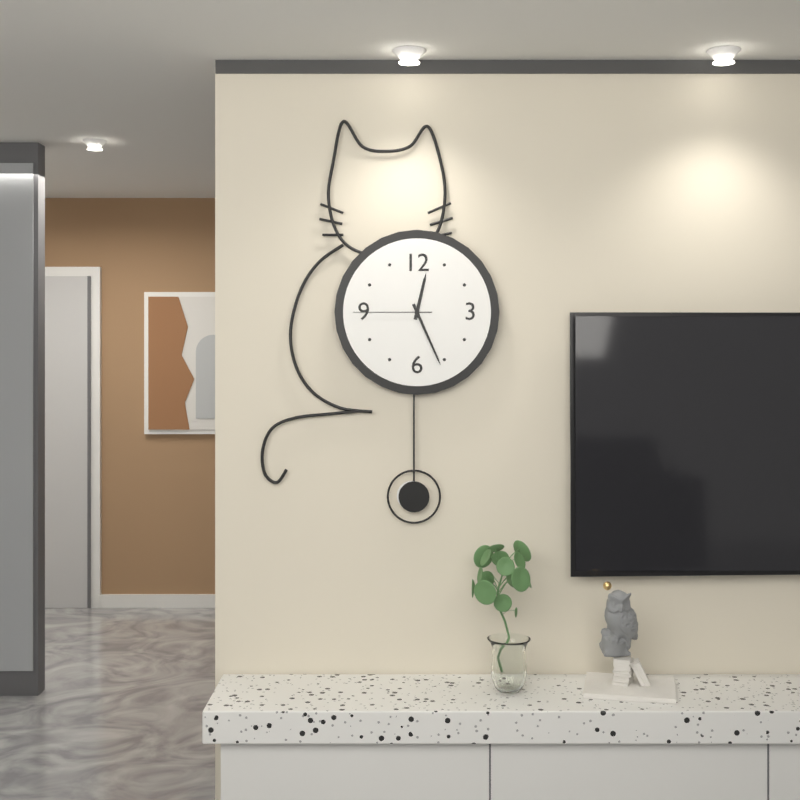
12:26:45
